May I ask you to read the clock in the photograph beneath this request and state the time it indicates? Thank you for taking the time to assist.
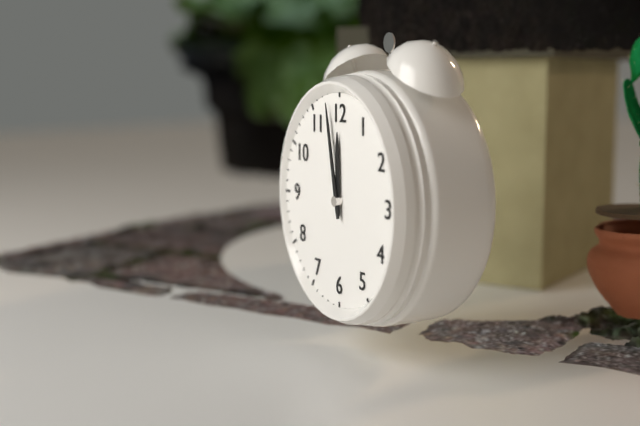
11:58
